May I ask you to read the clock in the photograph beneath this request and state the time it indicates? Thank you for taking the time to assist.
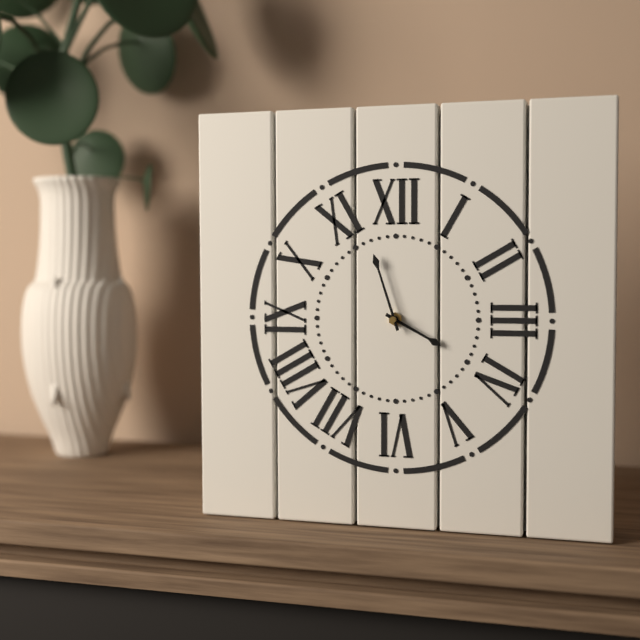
3:57
